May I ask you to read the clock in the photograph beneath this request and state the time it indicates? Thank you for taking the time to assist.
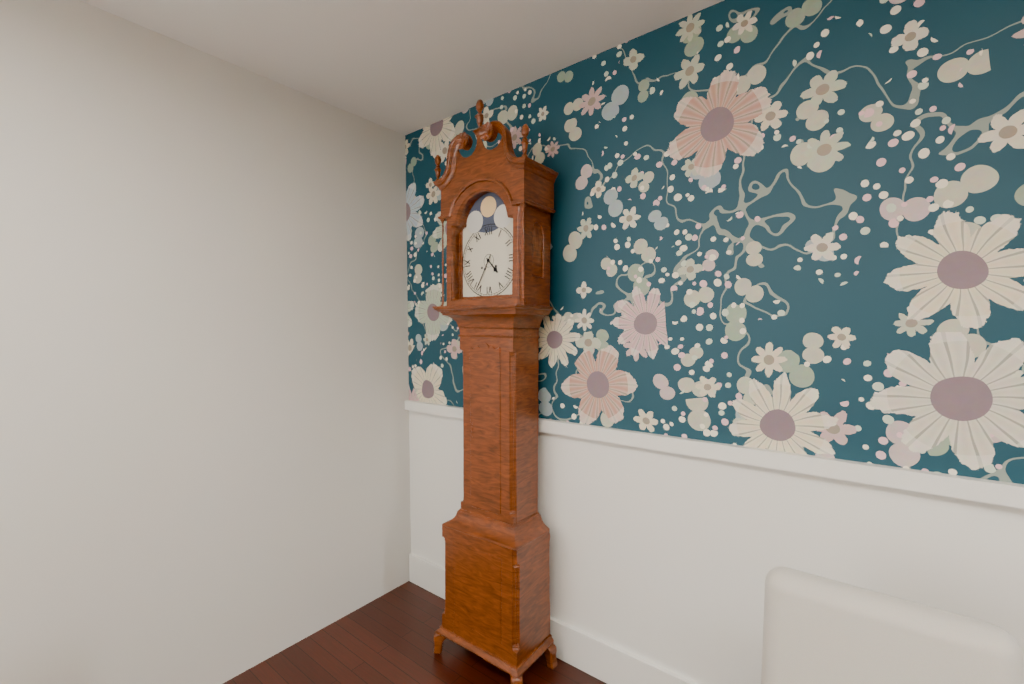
4:35
